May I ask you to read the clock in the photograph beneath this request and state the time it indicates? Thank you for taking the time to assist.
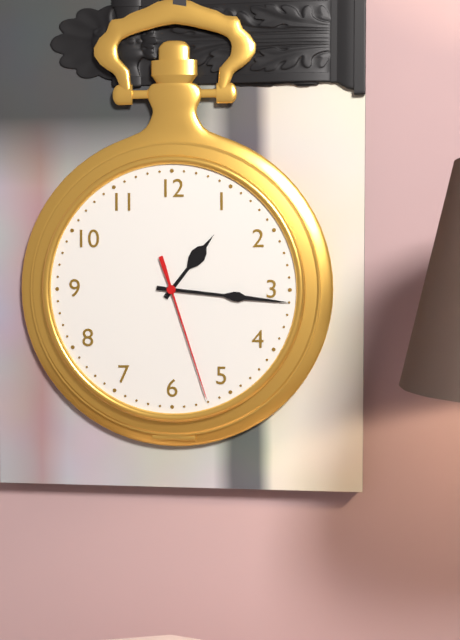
1:16:27
